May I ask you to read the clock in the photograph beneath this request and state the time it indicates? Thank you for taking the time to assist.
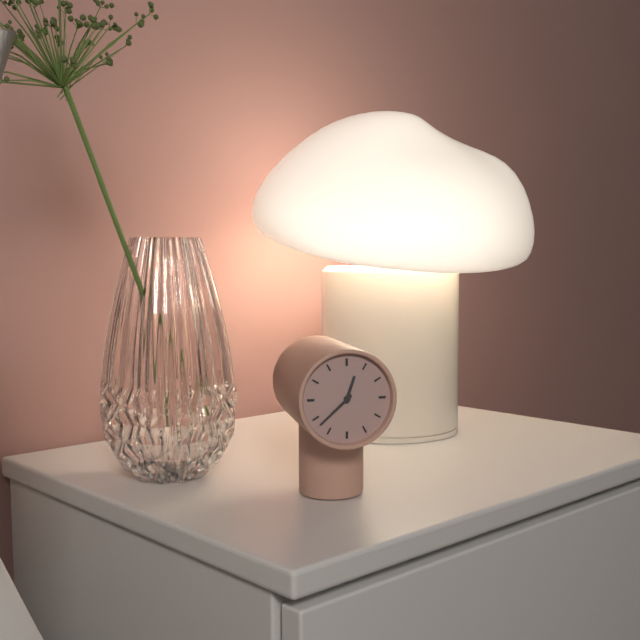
12:38
